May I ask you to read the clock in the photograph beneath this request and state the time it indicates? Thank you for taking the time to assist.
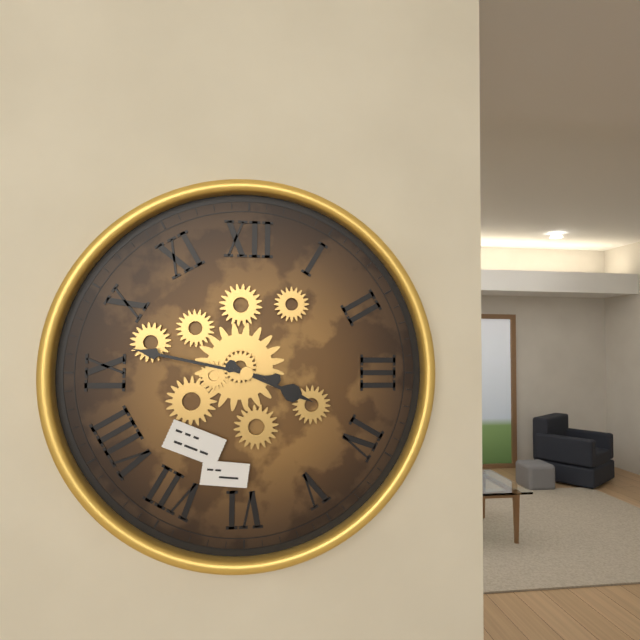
3:47
